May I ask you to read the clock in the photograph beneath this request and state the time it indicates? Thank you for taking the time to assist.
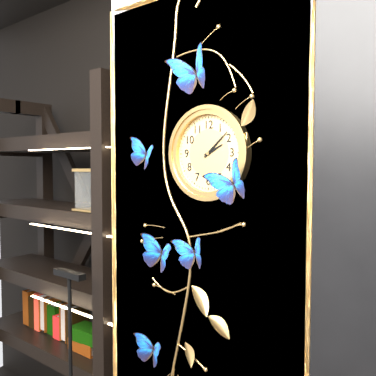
2:08
